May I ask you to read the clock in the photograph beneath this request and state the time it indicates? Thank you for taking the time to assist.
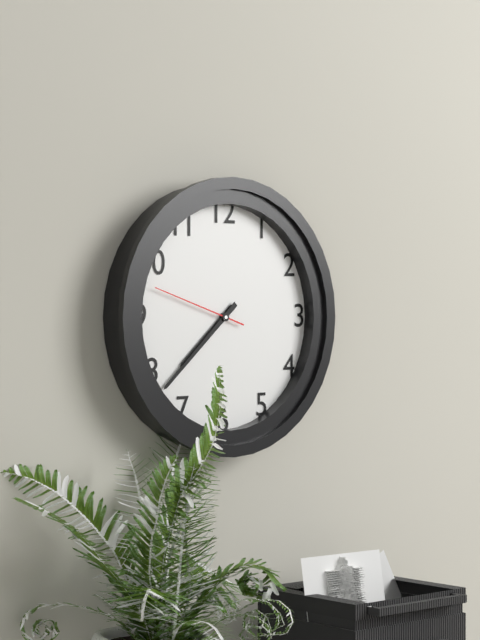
7:38:48
